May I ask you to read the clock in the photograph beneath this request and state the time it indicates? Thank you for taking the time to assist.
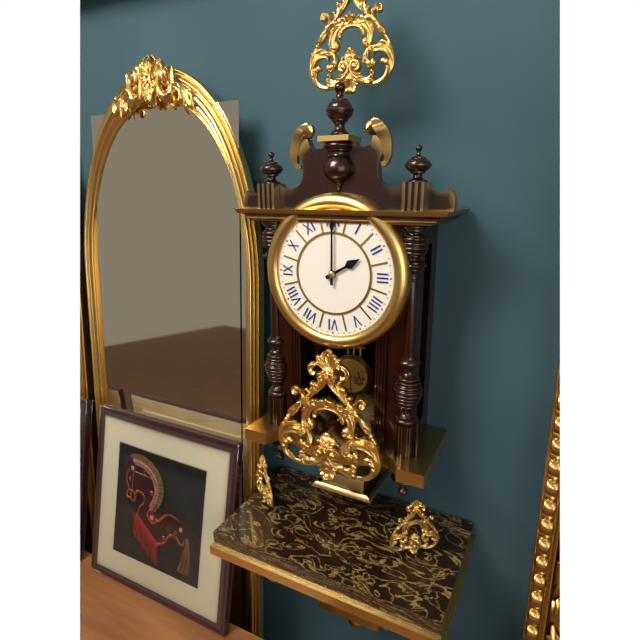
2:00
